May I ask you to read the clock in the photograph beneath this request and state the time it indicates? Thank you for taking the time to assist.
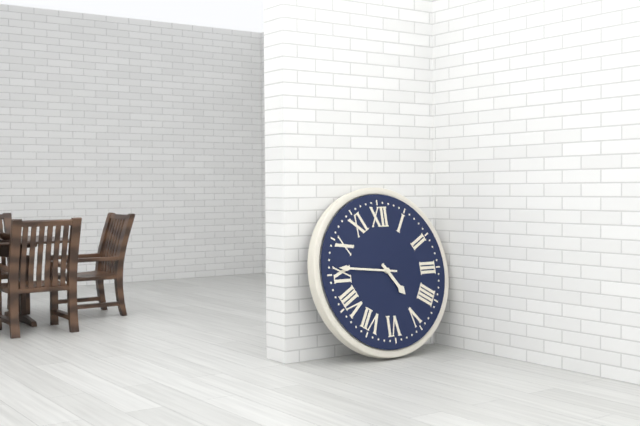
4:46
